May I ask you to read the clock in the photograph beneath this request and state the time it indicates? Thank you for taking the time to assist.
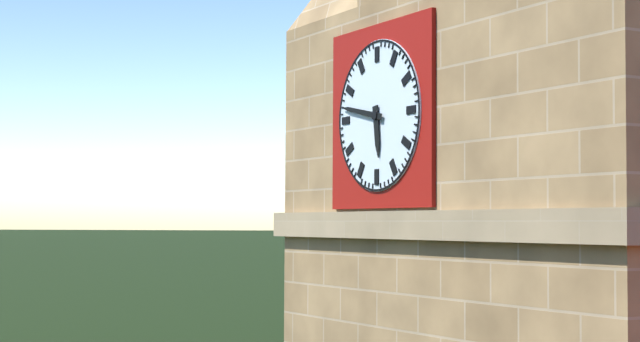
5:47
